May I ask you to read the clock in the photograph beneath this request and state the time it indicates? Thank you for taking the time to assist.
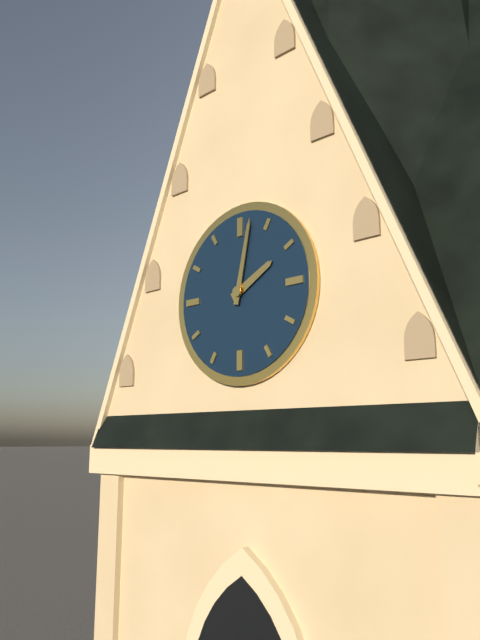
2:02
